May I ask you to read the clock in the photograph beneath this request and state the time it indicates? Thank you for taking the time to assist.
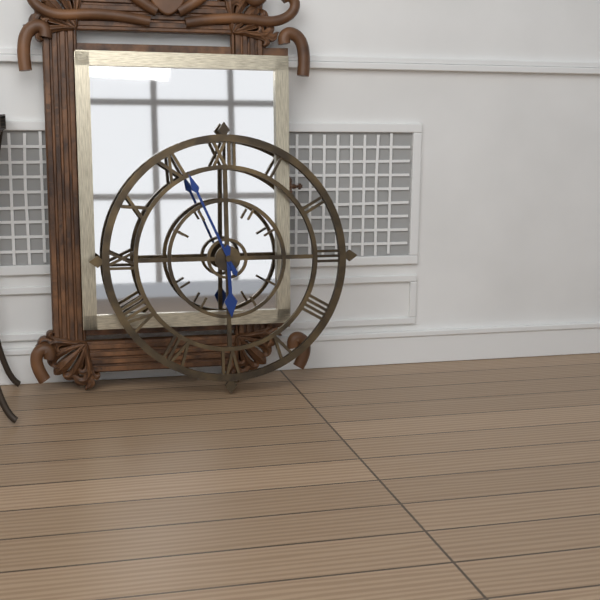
5:56
